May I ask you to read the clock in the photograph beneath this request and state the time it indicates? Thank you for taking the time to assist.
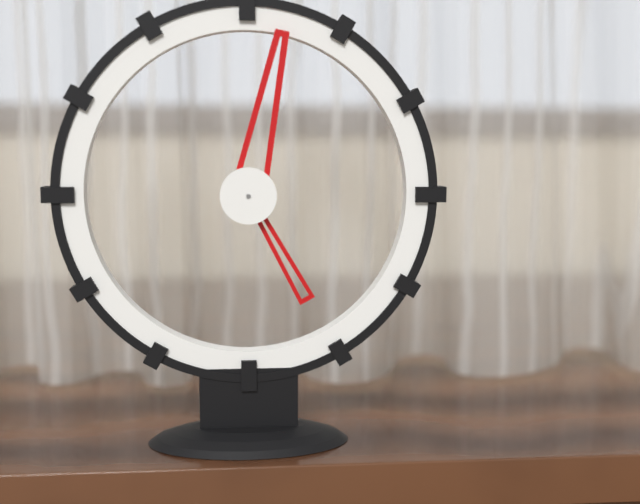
5:02
